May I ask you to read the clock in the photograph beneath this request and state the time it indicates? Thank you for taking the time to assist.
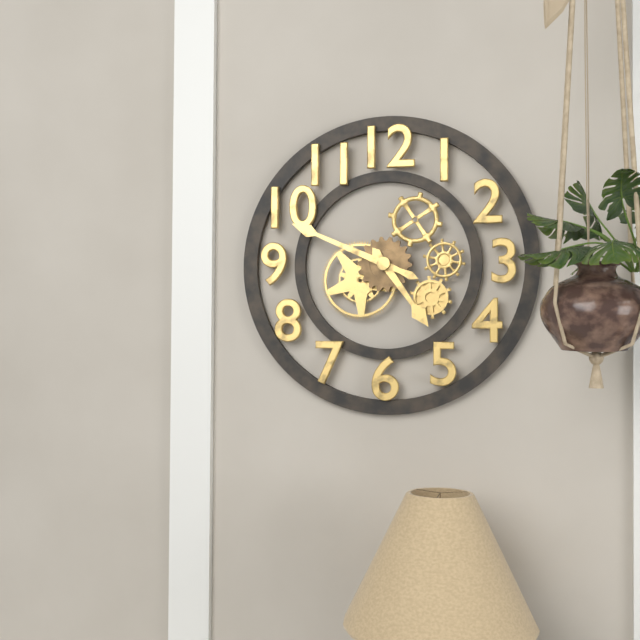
4:49
